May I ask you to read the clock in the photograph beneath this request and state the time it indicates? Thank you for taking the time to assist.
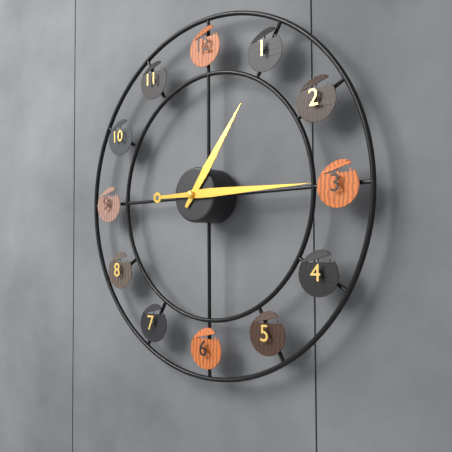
1:15
